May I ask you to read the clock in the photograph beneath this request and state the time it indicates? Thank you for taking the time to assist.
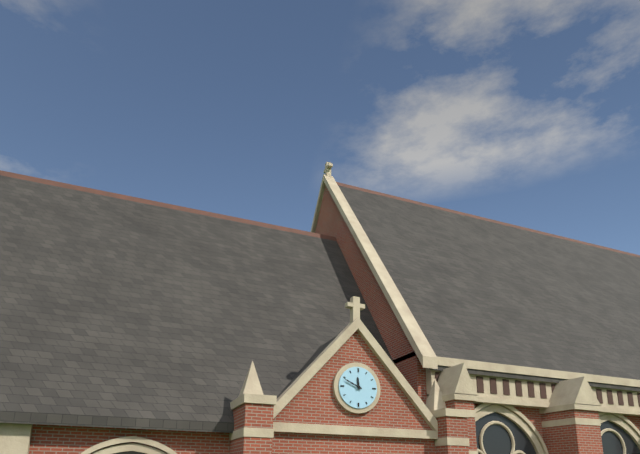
11:49
